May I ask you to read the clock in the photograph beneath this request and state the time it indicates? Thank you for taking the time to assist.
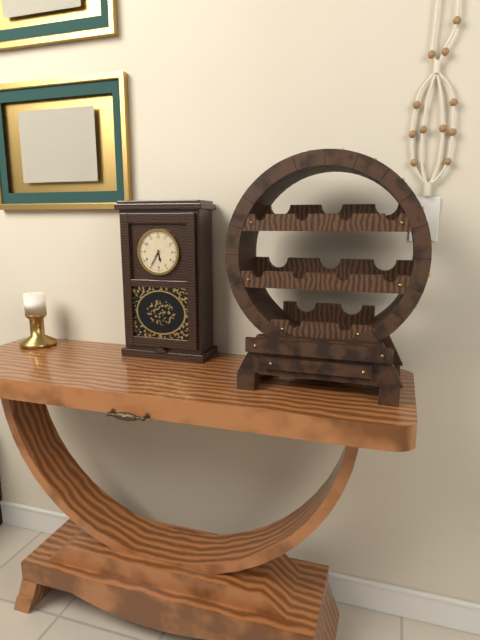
5:35
